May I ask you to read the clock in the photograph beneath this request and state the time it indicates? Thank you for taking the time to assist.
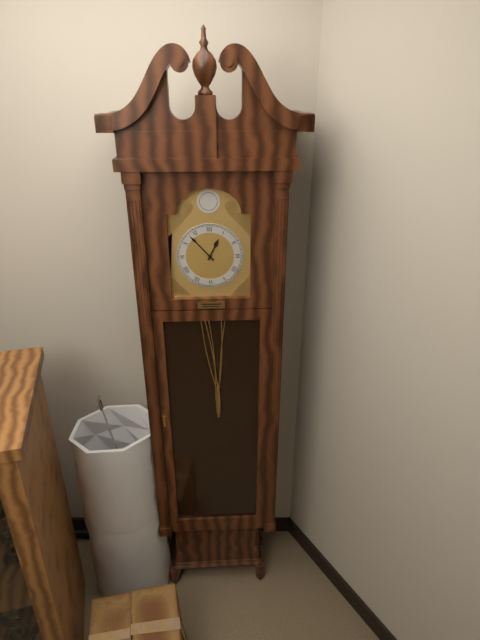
12:53
